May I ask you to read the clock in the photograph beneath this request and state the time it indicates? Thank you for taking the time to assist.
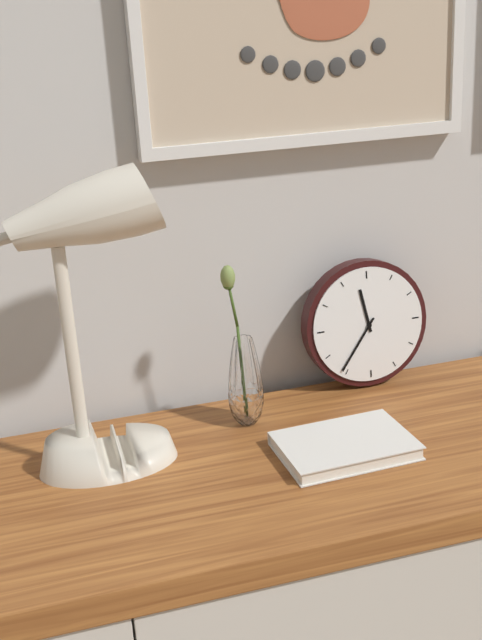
11:36
